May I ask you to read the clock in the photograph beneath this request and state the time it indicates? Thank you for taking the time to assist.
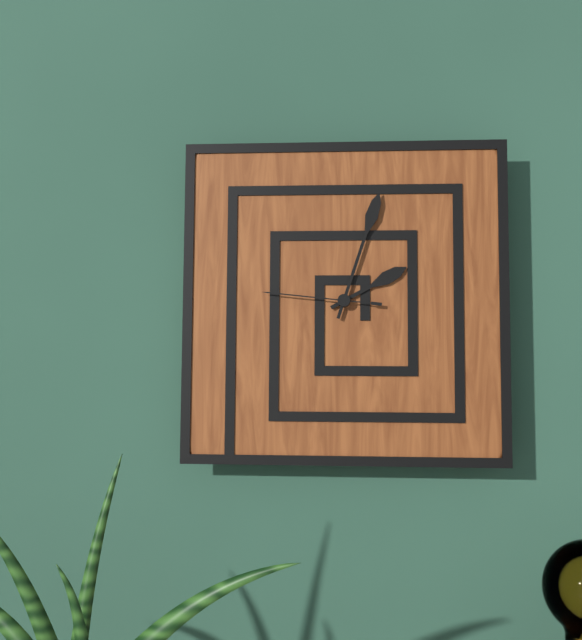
2:03:46
